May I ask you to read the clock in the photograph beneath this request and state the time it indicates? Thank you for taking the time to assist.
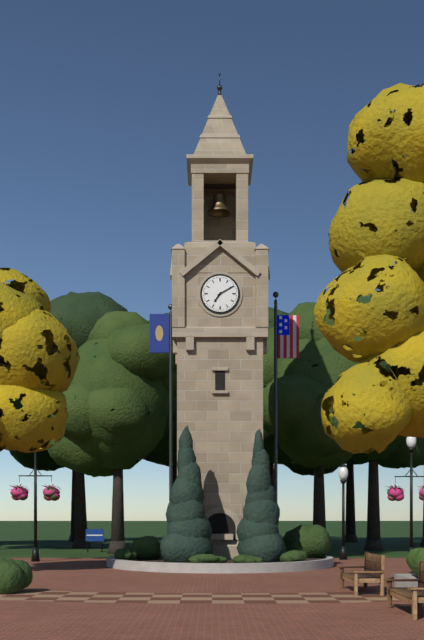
7:10
